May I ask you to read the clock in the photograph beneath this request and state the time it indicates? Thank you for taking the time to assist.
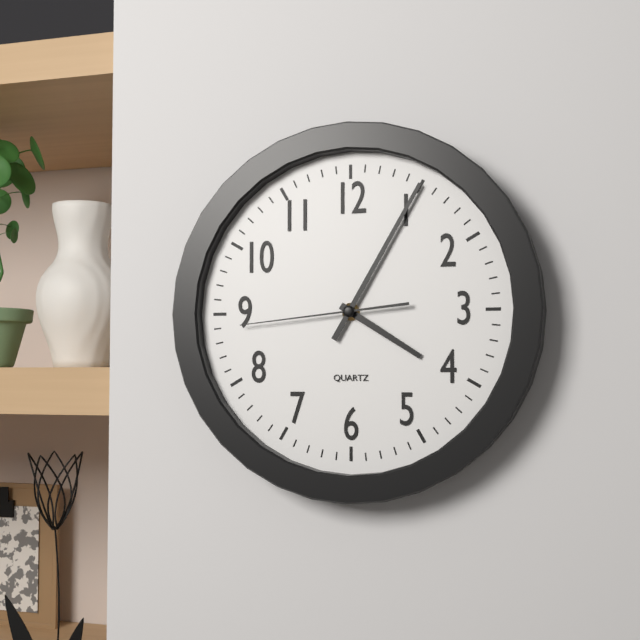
4:05:44
